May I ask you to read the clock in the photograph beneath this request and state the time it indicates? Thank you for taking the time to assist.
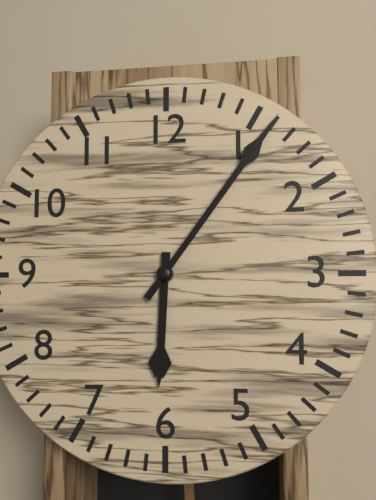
6:06
